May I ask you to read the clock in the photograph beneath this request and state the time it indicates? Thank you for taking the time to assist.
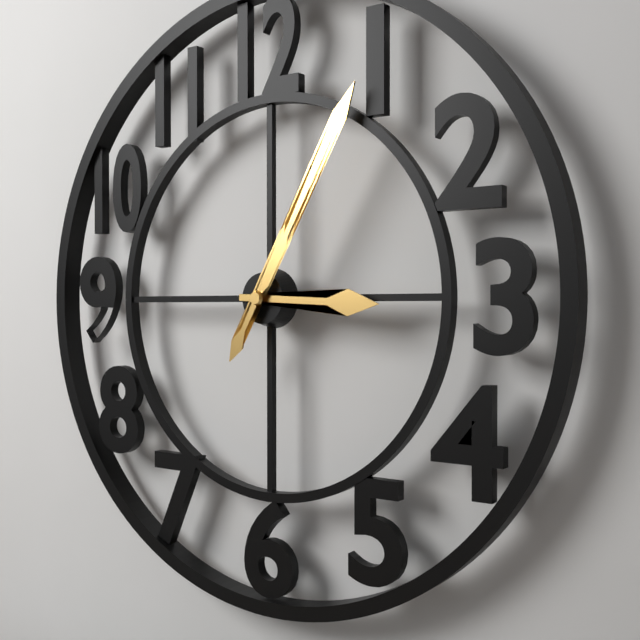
3:05
